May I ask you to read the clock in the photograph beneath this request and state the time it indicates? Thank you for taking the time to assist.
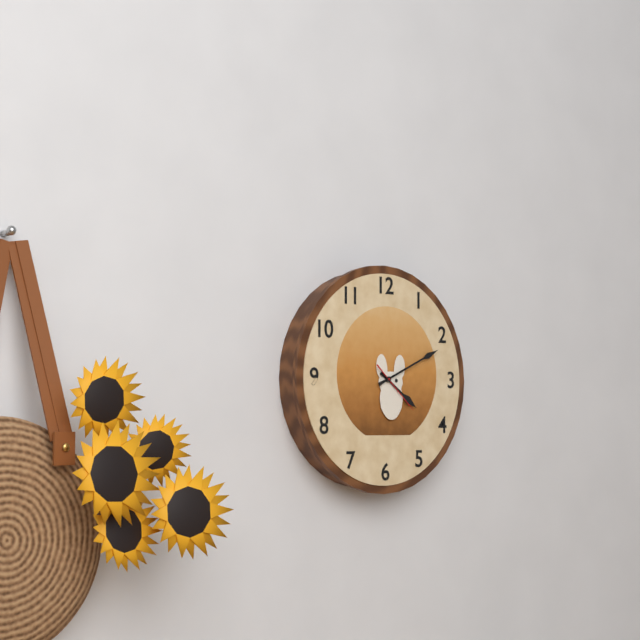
4:11
